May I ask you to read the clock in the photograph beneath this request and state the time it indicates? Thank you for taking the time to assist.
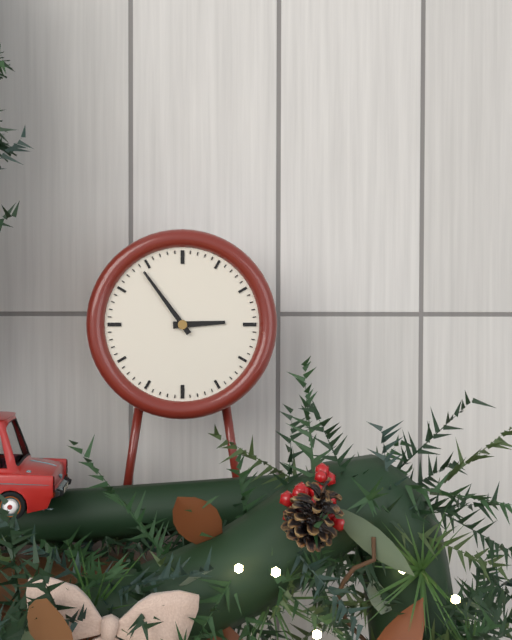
2:54
